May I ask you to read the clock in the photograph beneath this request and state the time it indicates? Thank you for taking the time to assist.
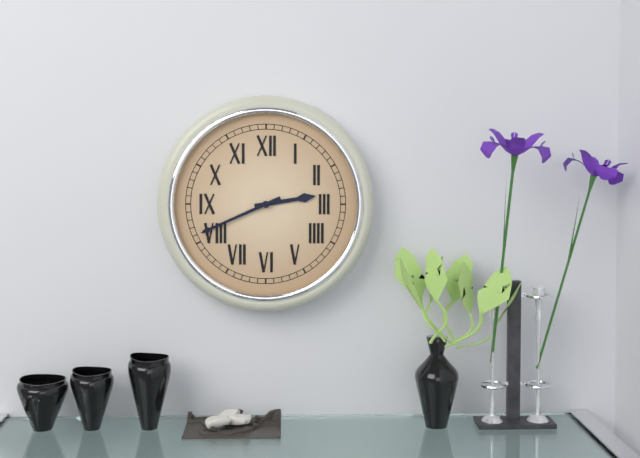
2:41
